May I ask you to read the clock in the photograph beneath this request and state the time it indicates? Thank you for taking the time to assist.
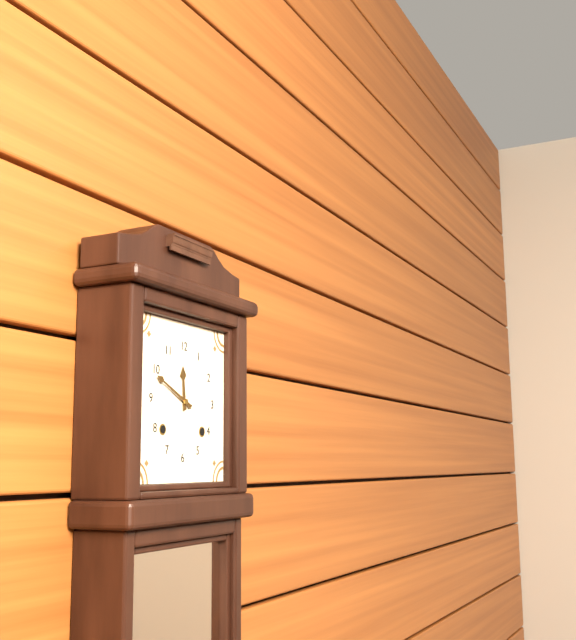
11:49
